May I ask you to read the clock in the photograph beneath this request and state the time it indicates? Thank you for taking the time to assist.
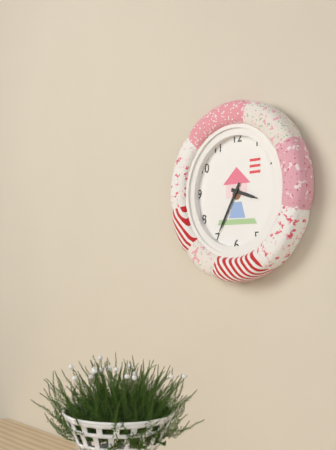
3:35
